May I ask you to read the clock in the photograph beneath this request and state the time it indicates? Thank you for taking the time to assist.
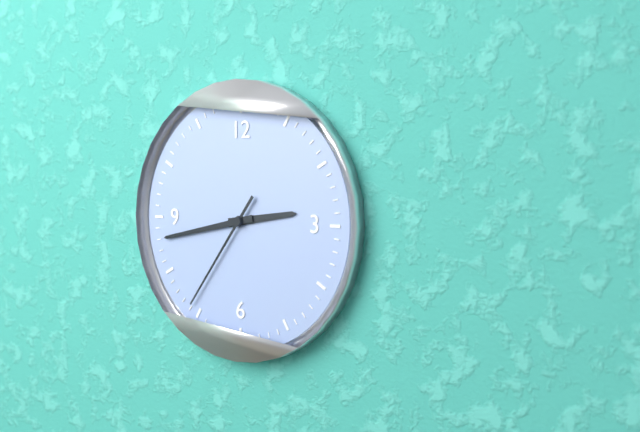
2:43:36
